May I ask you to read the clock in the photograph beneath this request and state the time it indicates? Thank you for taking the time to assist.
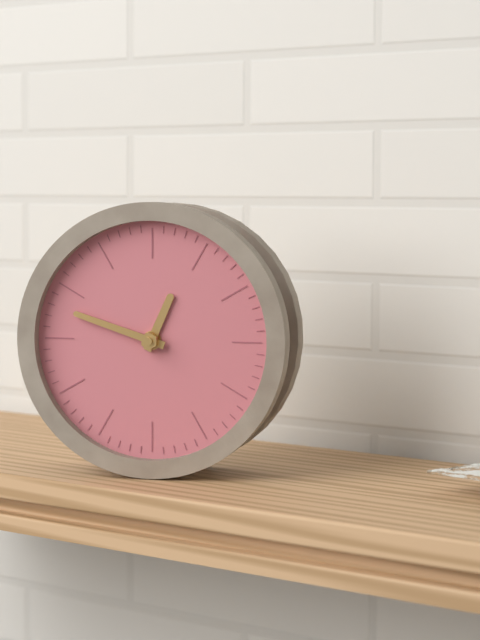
12:48
